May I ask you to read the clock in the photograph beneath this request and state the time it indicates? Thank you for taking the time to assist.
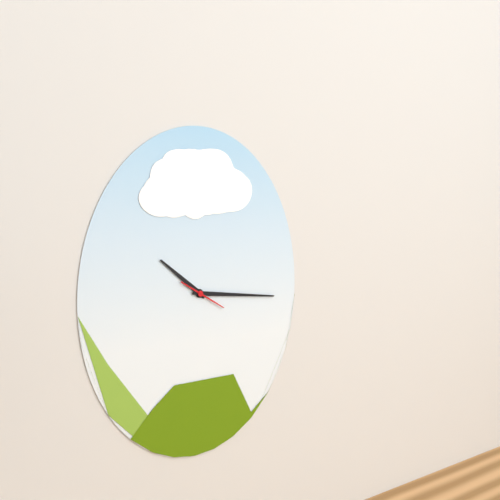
10:16
